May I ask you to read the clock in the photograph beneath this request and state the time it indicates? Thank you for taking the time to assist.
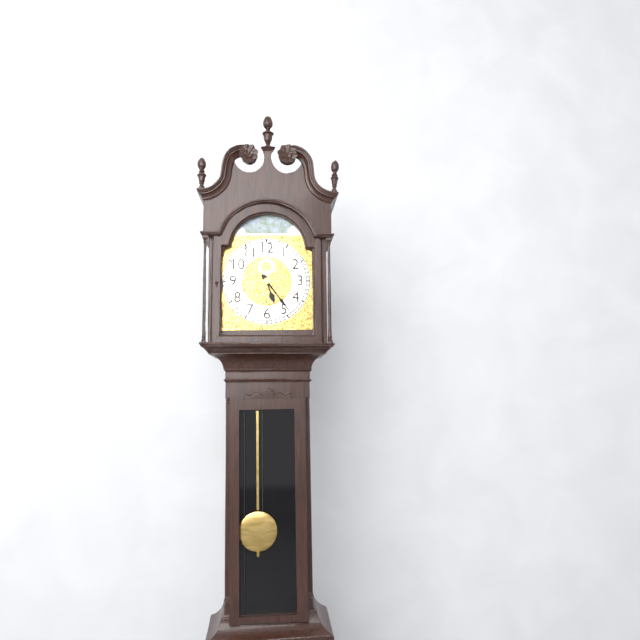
5:24
